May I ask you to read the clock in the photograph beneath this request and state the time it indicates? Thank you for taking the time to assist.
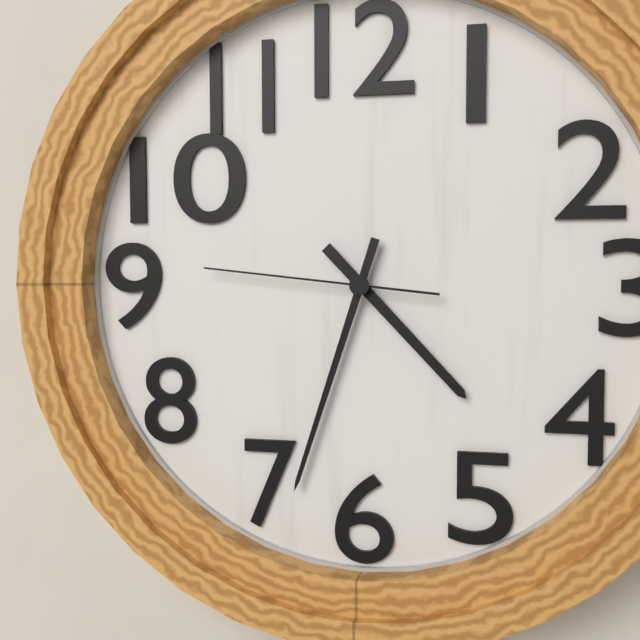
4:33:46
